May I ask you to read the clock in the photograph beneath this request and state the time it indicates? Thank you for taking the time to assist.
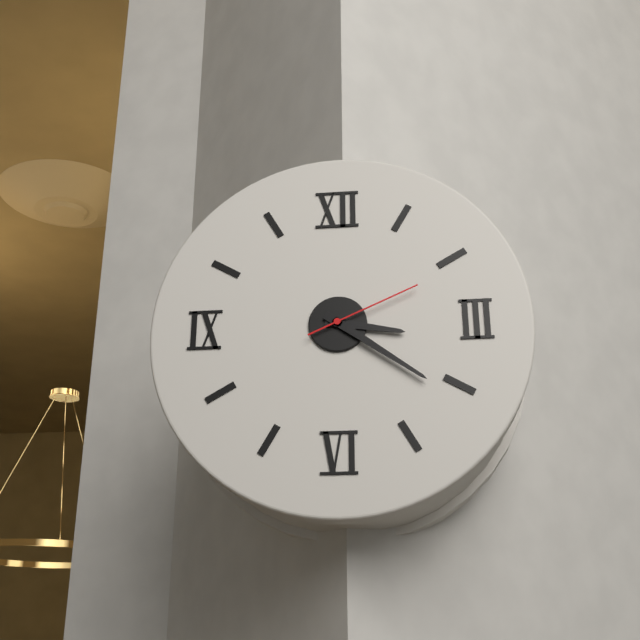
3:21:11
